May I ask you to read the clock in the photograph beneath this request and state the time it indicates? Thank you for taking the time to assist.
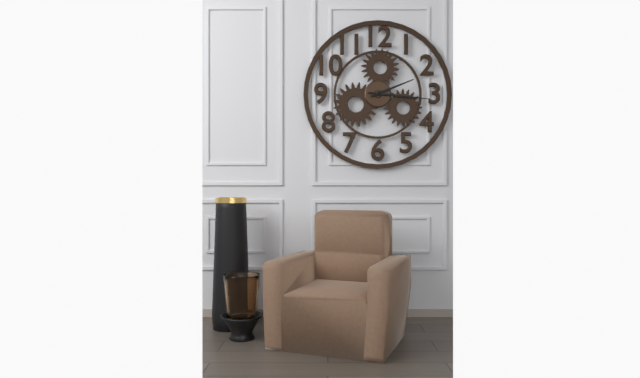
2:16
